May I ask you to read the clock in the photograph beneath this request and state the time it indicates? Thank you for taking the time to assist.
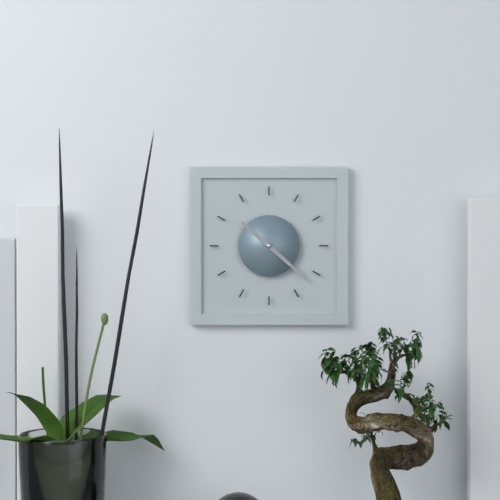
10:22
